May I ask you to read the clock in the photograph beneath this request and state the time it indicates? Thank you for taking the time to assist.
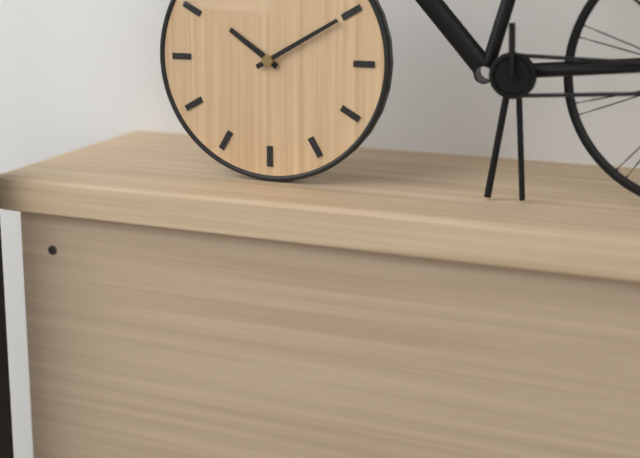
10:10
